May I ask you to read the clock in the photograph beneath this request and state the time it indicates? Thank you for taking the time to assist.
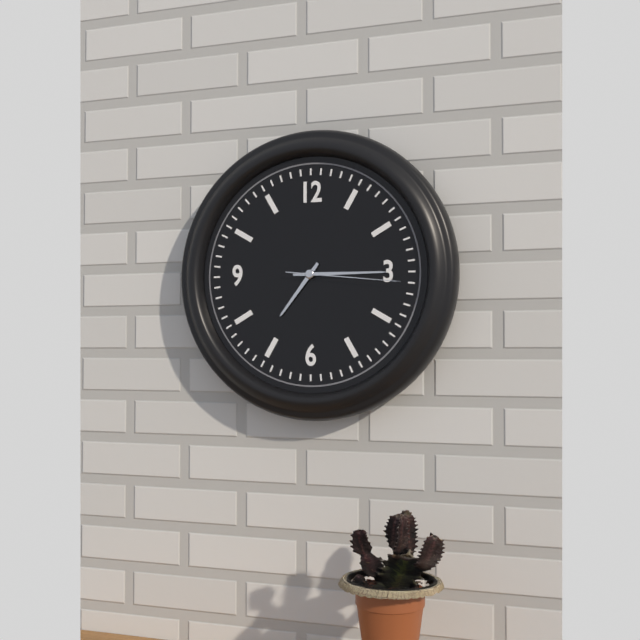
7:15:16
